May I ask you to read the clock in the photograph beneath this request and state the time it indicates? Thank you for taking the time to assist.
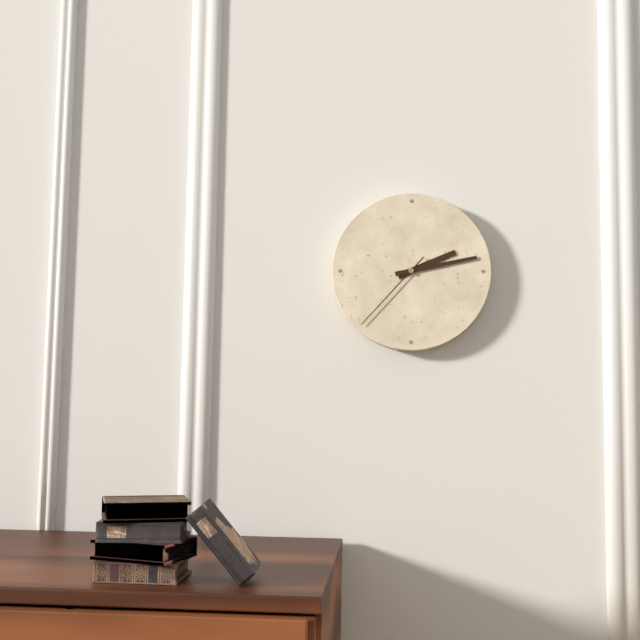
2:13:37
